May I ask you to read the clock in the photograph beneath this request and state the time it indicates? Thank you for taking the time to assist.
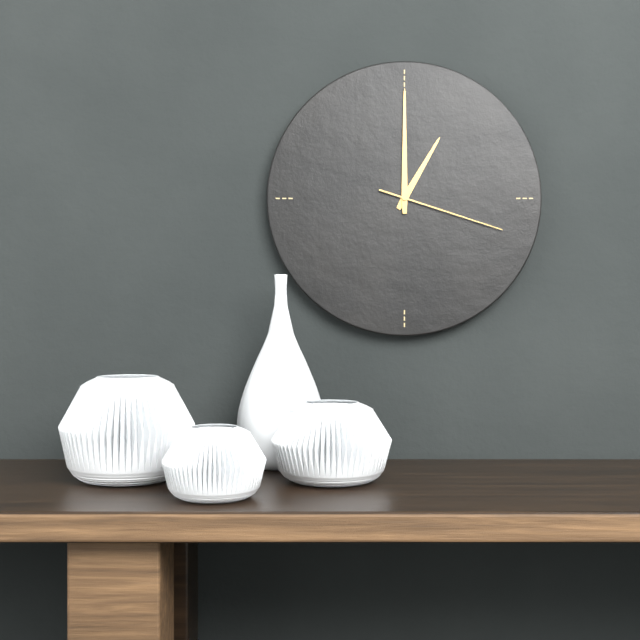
1:00:18
